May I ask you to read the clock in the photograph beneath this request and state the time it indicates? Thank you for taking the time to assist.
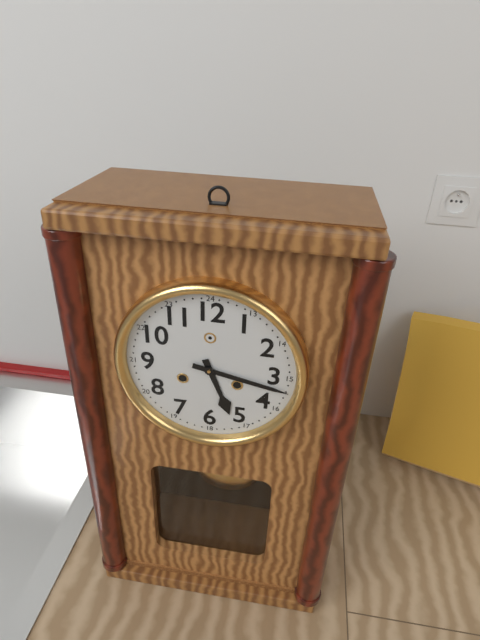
5:17
